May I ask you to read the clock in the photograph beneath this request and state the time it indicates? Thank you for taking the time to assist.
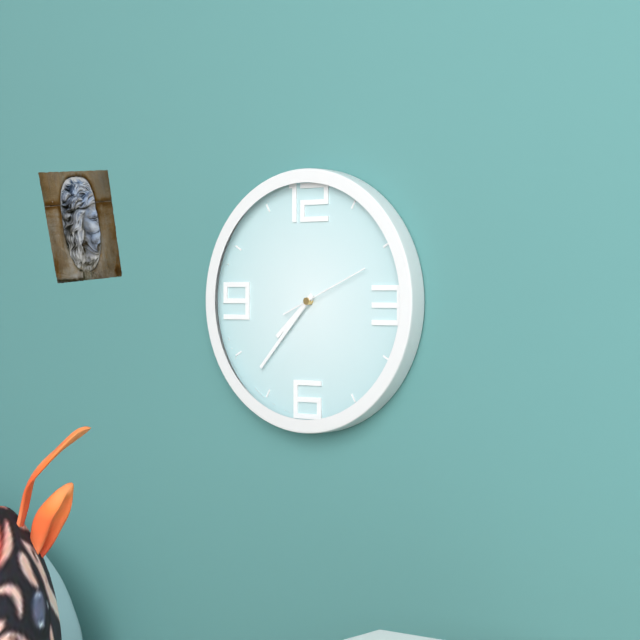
7:37:11
